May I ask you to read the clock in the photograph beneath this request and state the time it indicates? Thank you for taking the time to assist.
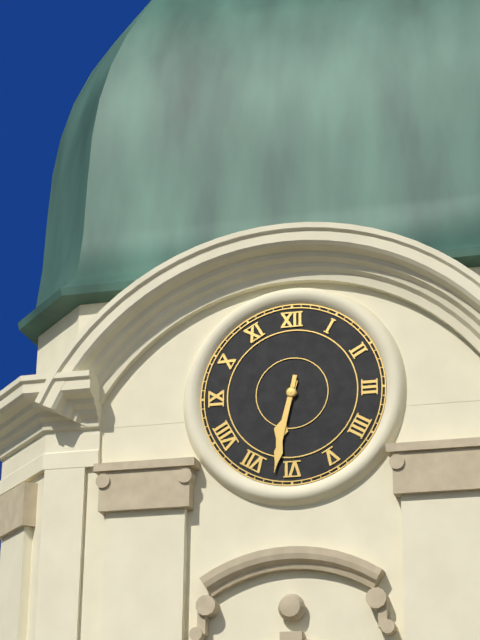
6:32
